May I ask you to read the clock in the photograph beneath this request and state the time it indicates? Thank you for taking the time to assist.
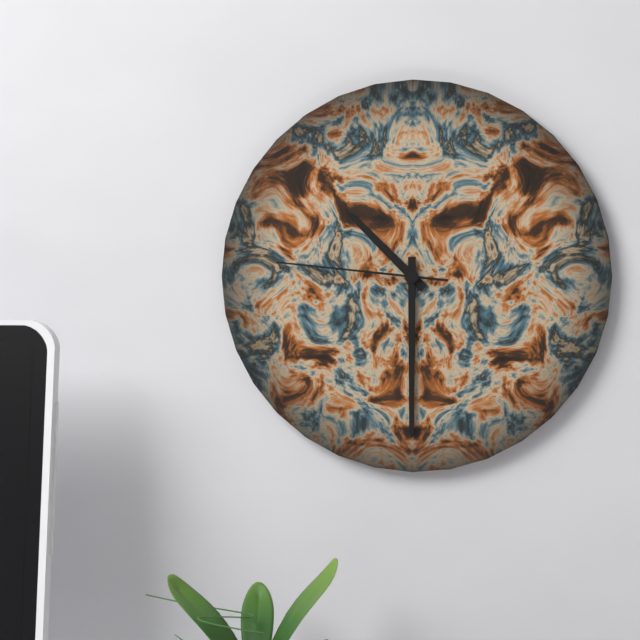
10:30:46
